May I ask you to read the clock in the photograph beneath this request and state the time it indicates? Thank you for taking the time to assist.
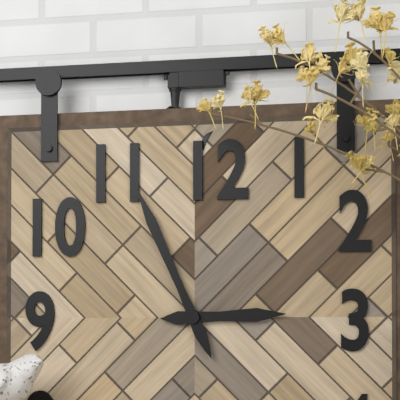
2:56
